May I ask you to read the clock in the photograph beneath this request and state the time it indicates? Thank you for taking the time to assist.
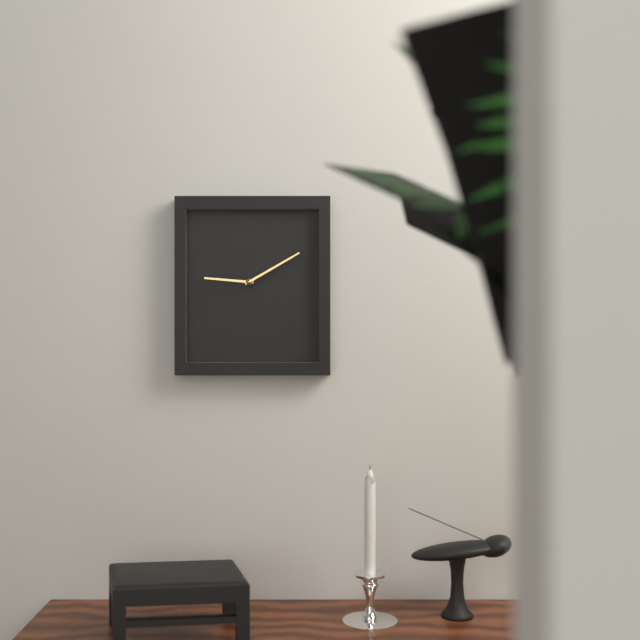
9:10
